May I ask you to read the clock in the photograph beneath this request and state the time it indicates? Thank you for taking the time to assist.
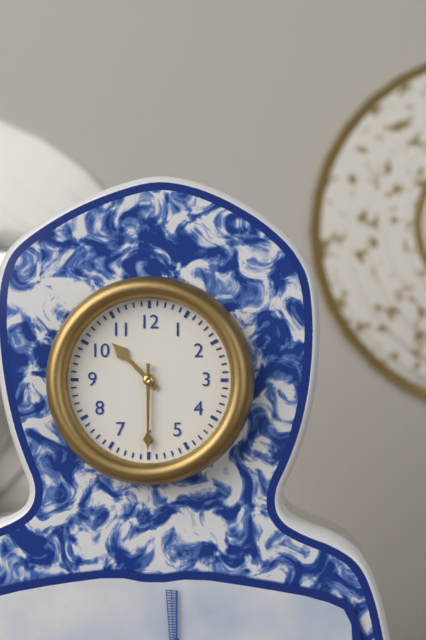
10:30
